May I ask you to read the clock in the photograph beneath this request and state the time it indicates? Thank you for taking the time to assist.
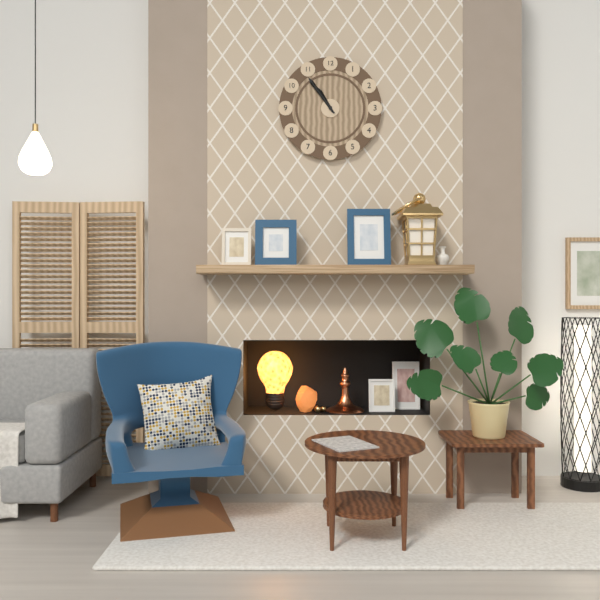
10:54
